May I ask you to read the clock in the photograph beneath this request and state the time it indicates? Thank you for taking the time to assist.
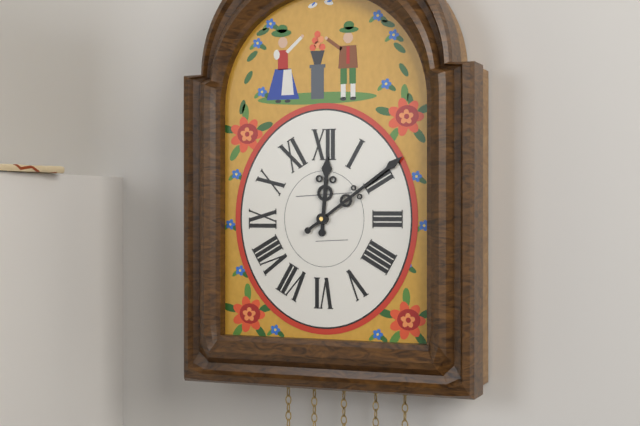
12:09
